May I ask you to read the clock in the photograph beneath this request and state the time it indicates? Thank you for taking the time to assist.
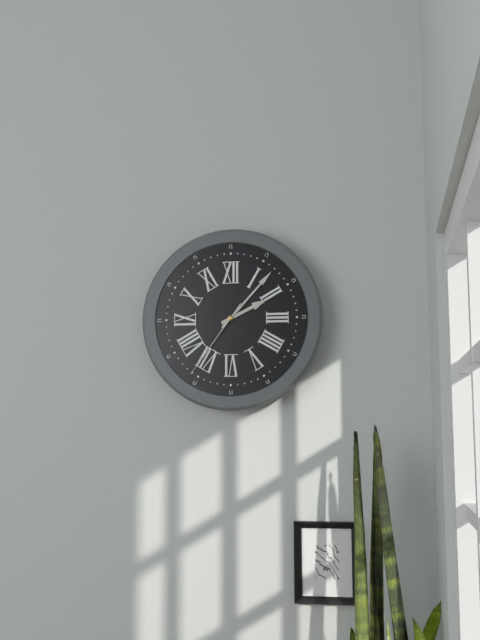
2:07:36
